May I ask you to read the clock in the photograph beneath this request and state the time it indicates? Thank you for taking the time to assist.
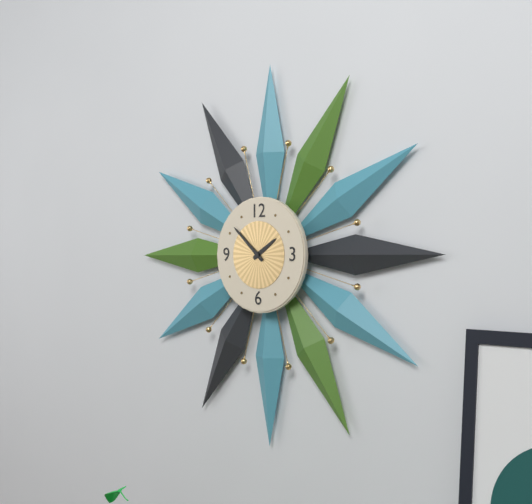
1:52
